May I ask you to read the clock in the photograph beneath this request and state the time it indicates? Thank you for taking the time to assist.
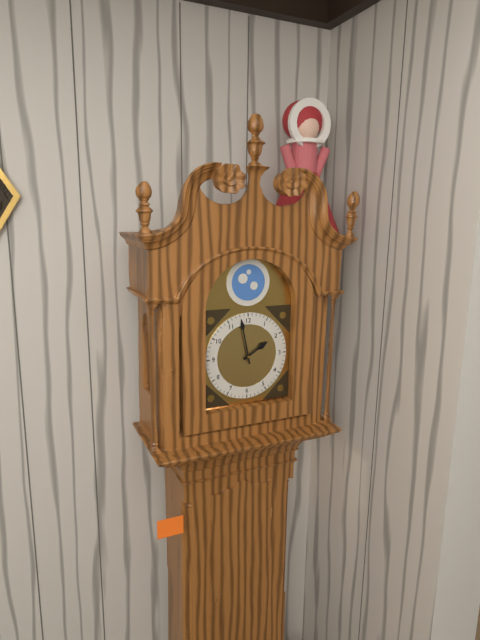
1:58
